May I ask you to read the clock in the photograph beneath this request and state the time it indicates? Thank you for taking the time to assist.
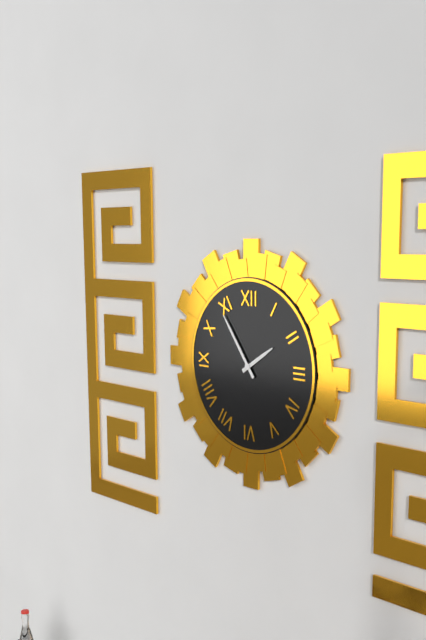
1:54
